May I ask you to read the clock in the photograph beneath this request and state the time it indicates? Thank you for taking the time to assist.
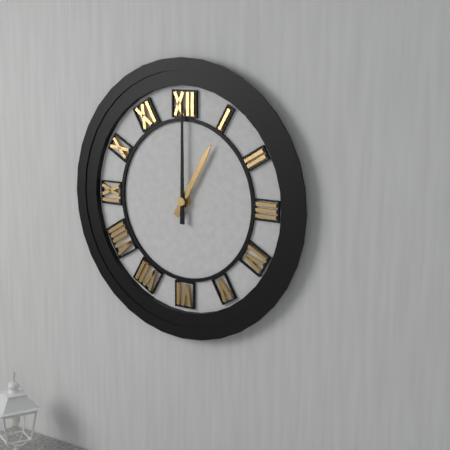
1:00
